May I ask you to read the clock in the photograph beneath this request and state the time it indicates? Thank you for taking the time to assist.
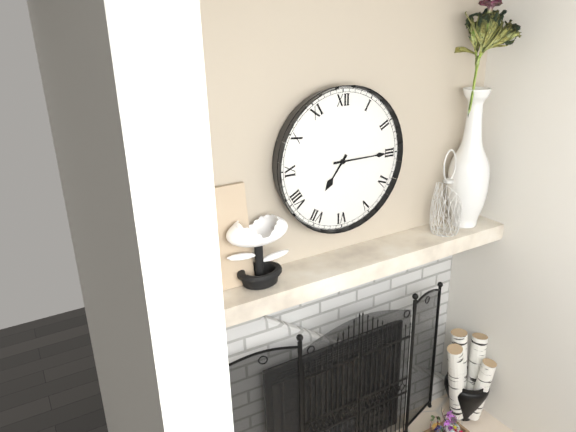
7:15
